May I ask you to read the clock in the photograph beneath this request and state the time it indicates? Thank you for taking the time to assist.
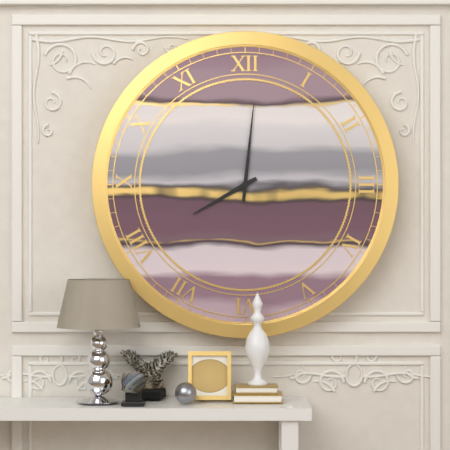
8:01
